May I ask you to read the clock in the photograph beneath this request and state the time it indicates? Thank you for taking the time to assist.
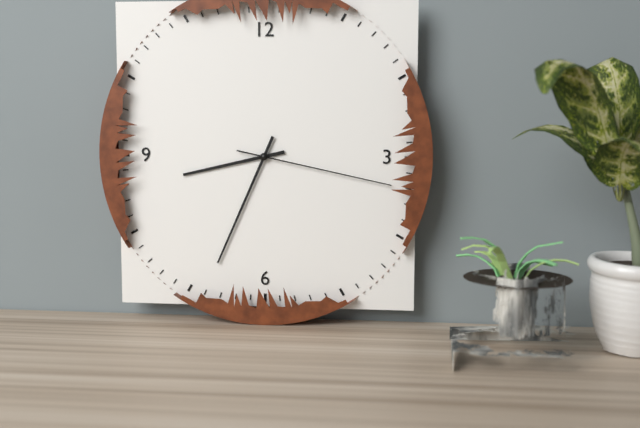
8:34:17
